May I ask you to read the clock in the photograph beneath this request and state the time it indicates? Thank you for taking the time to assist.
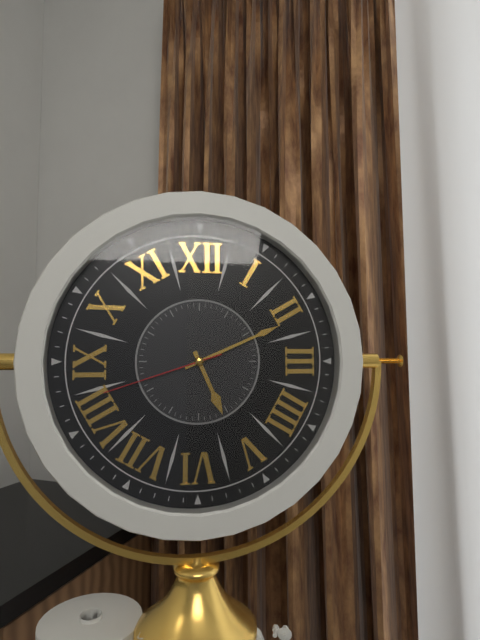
5:11:42
